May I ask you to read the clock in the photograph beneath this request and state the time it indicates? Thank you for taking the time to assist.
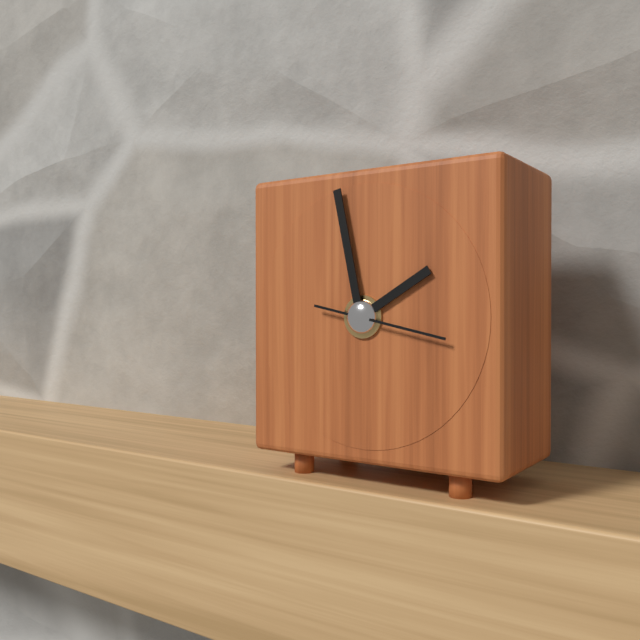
1:58:17
